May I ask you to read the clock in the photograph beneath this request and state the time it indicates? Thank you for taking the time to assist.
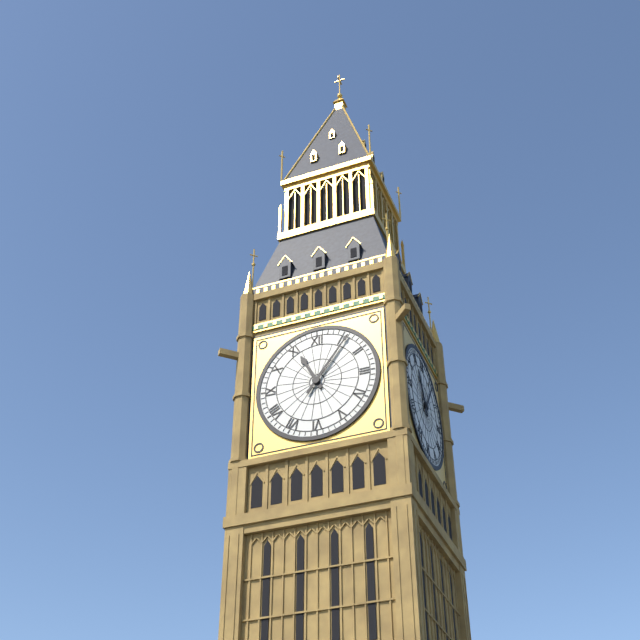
11:06
